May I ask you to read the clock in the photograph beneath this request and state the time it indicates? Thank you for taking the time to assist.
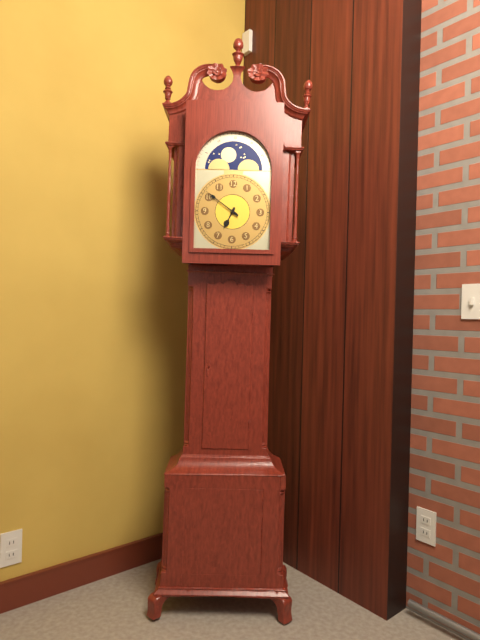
6:51
